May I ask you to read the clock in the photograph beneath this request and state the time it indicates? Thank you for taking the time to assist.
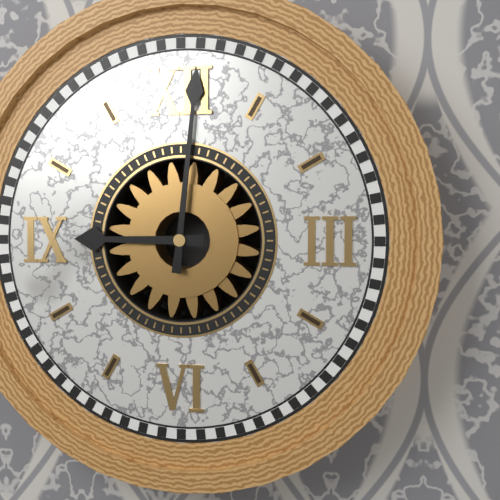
9:01
